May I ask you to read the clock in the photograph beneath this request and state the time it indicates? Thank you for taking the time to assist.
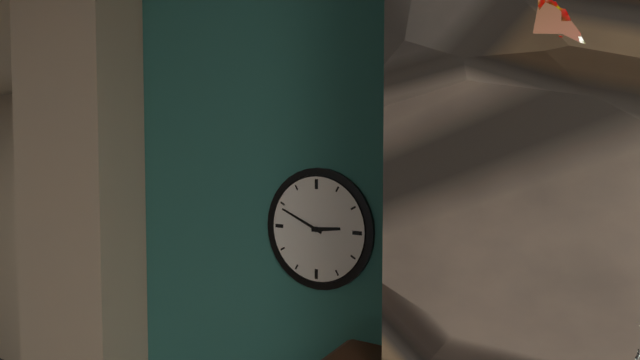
2:49
